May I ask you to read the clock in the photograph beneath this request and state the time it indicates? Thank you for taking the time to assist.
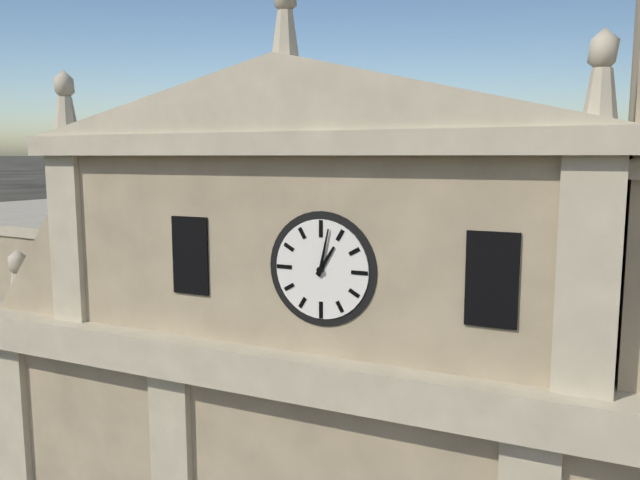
1:02
